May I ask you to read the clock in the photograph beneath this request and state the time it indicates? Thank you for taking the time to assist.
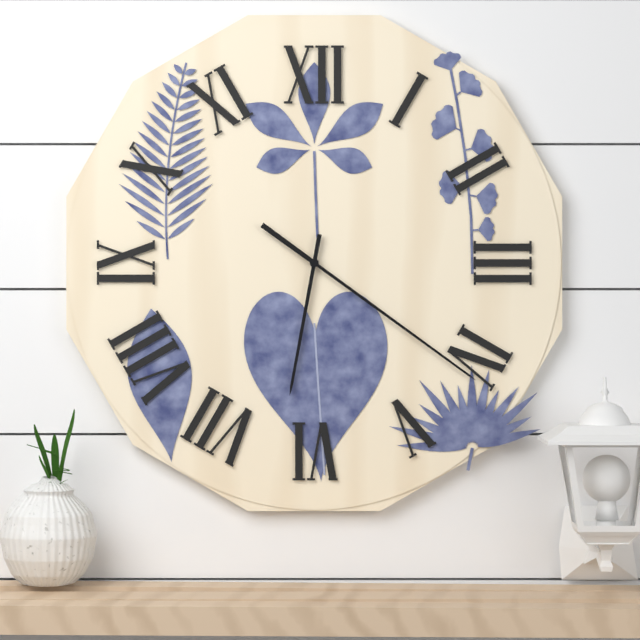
6:21
